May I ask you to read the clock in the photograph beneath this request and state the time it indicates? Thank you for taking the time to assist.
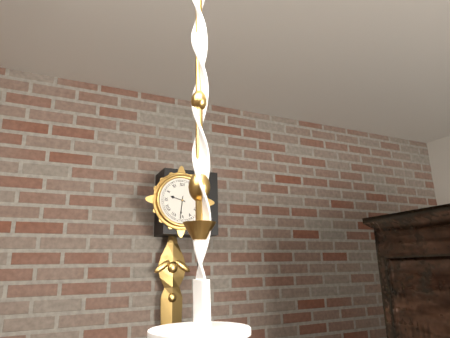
9:31
